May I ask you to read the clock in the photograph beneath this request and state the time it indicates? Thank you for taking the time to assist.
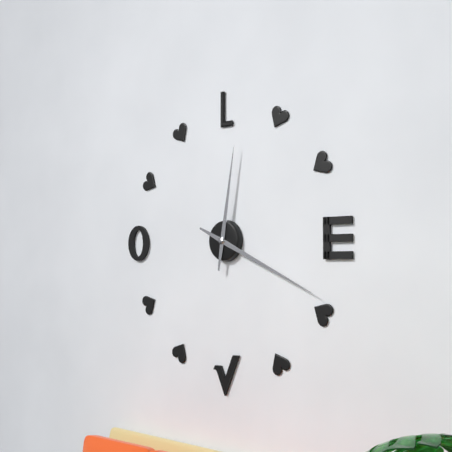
12:19
